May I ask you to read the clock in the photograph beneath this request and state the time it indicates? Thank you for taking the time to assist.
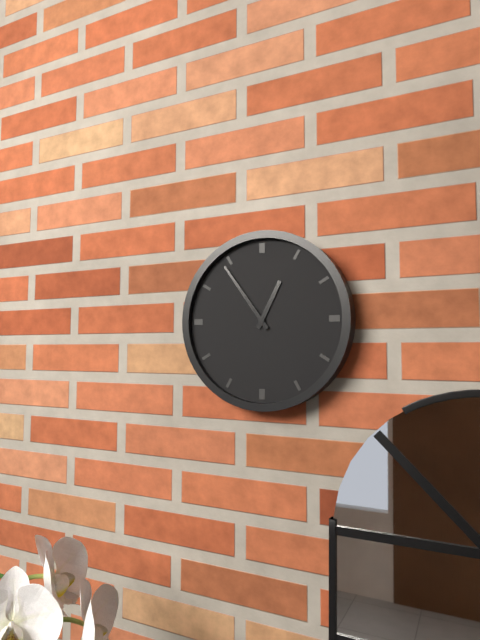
12:54
